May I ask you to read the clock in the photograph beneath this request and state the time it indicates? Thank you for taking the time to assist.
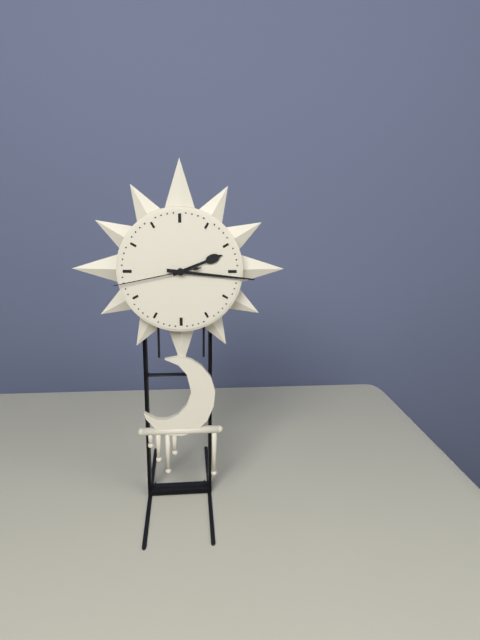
2:16:43
